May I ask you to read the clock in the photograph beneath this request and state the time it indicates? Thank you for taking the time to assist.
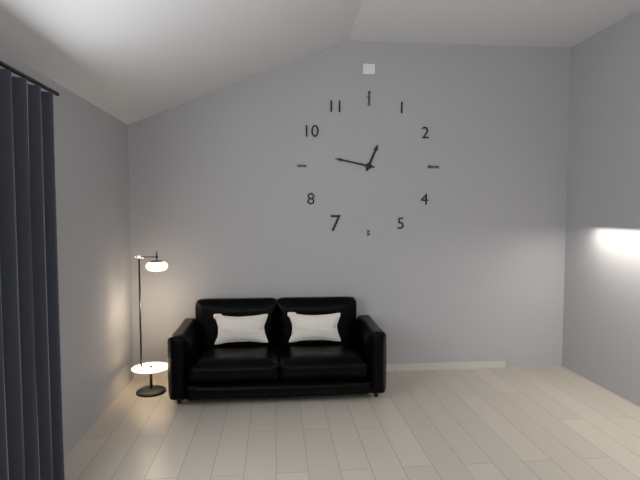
12:47
